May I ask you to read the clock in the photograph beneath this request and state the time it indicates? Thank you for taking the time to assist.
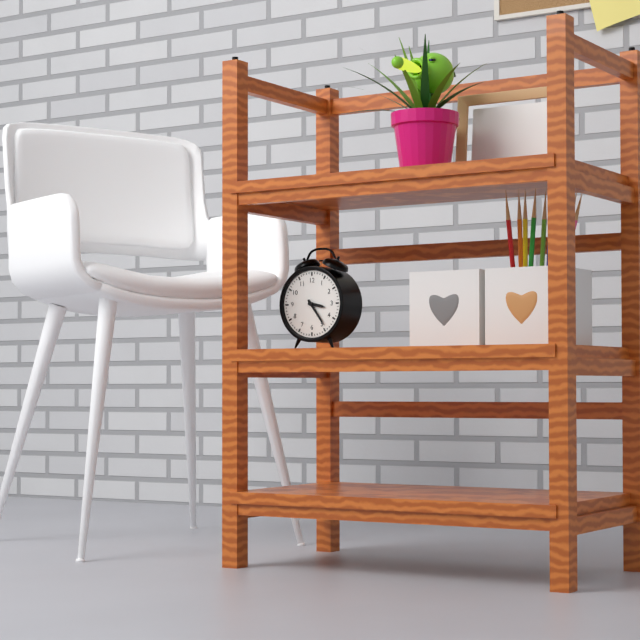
3:24
